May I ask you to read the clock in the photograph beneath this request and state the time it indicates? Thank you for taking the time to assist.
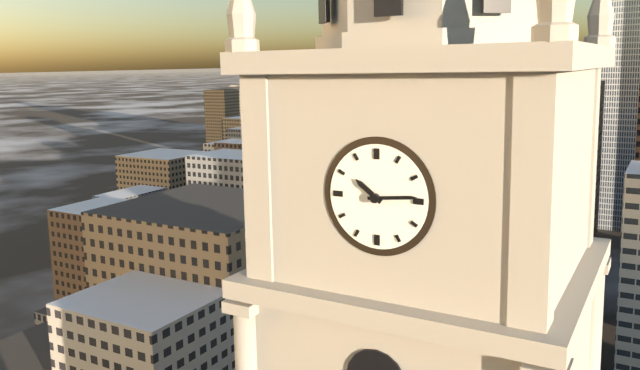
10:14
